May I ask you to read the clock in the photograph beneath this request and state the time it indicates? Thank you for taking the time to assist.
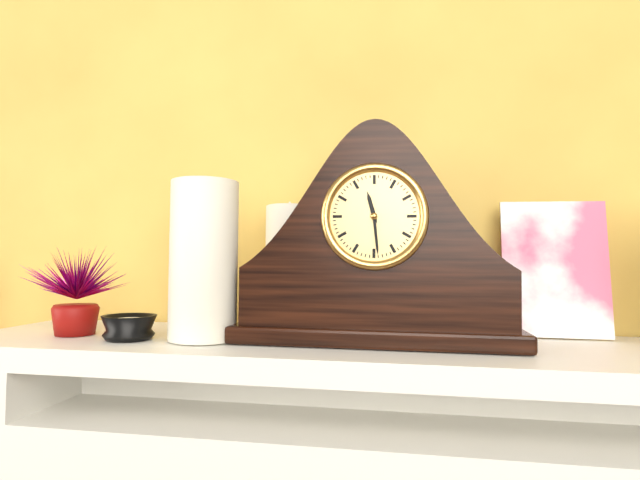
11:29
